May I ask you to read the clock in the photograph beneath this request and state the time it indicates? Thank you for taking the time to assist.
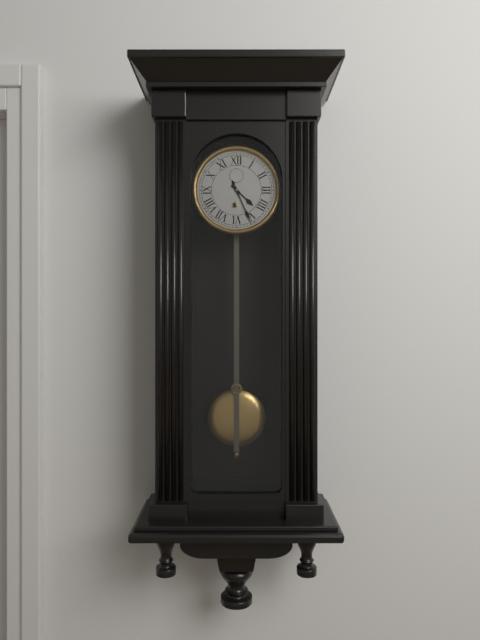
4:26
